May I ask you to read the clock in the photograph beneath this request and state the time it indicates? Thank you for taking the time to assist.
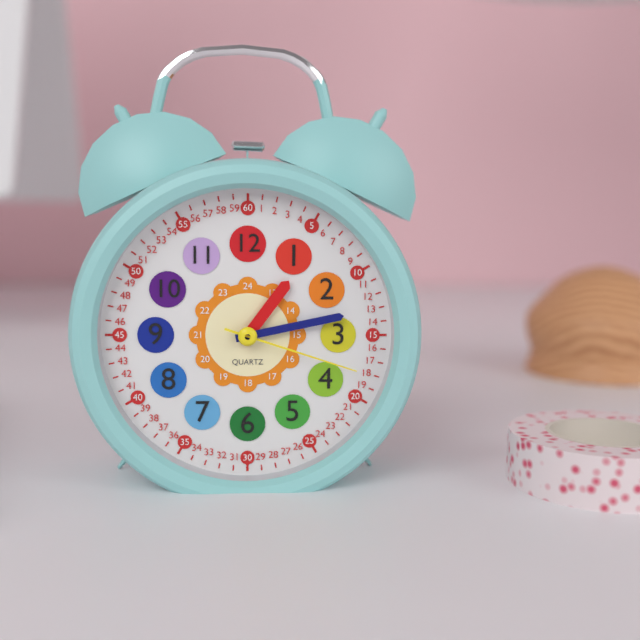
1:13:18
